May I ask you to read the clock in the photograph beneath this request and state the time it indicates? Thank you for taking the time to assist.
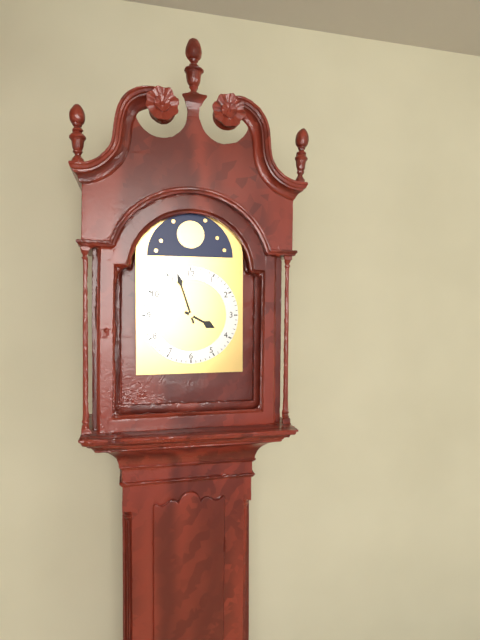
3:57
